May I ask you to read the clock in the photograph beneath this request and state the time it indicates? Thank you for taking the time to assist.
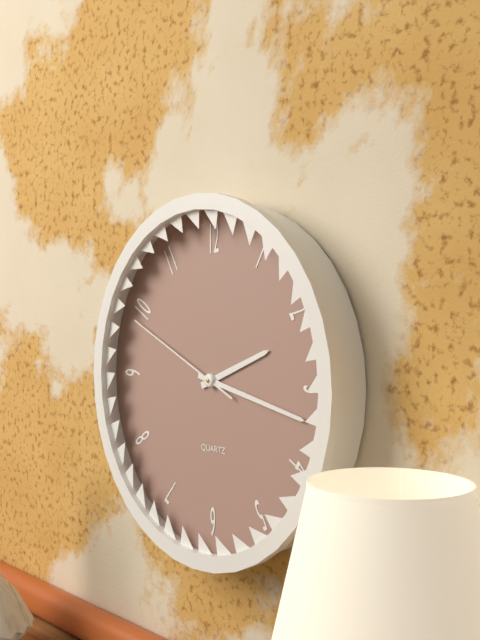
2:17:49
